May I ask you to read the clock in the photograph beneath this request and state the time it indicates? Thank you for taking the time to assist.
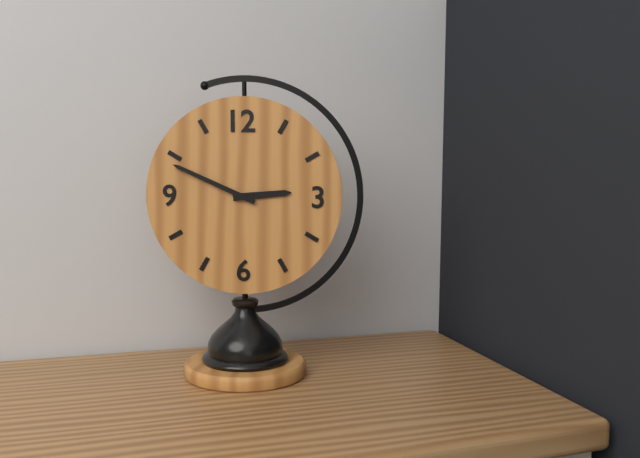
2:49
